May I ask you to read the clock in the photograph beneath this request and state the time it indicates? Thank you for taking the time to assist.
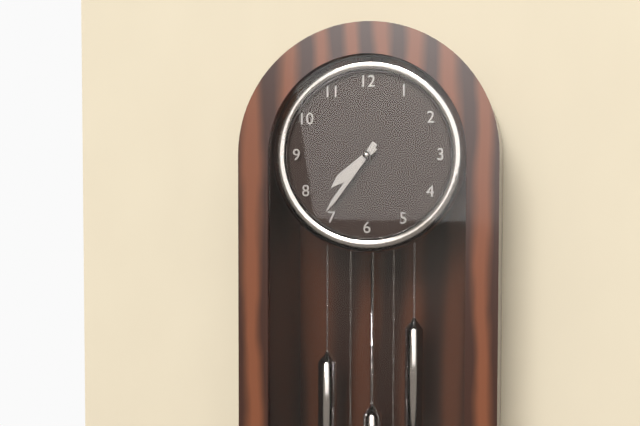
7:36
